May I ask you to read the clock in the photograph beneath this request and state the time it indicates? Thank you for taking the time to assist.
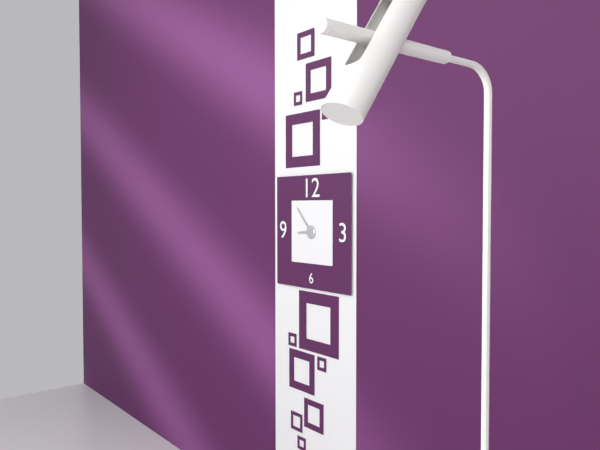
8:53
